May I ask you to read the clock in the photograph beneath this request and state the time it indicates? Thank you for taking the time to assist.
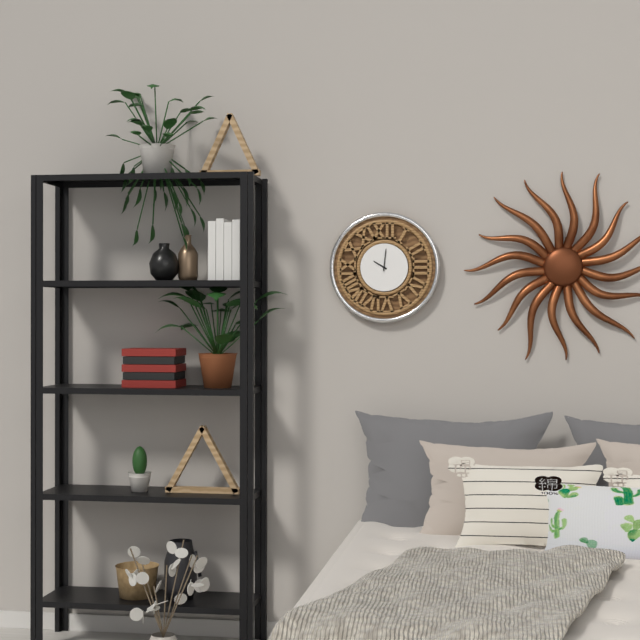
10:01
